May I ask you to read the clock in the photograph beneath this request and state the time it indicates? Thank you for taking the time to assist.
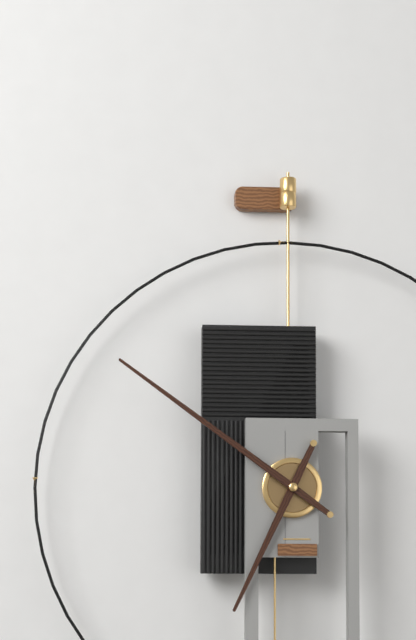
6:51
